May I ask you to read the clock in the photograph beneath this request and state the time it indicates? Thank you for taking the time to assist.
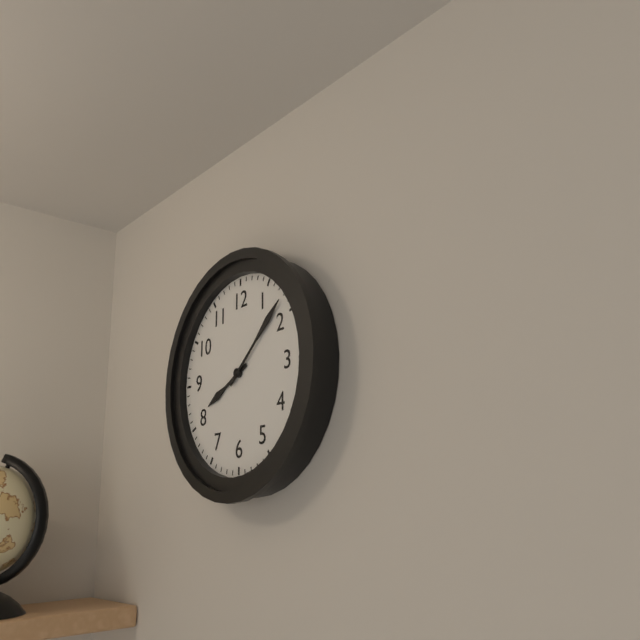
8:08
